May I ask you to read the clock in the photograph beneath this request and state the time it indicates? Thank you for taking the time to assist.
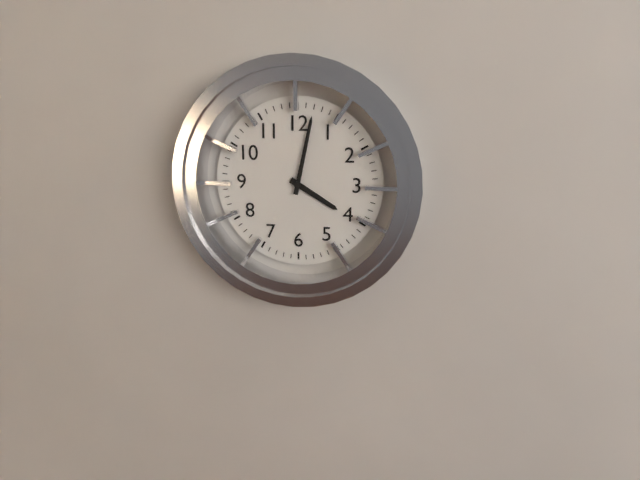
4:02
